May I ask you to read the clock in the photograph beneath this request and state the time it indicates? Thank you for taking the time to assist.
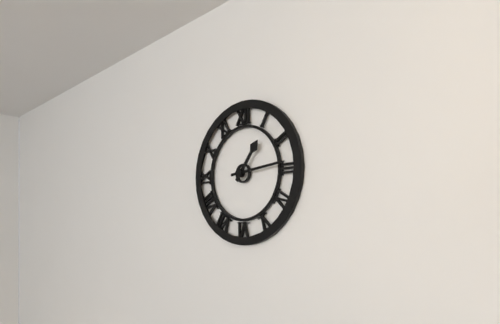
1:14
